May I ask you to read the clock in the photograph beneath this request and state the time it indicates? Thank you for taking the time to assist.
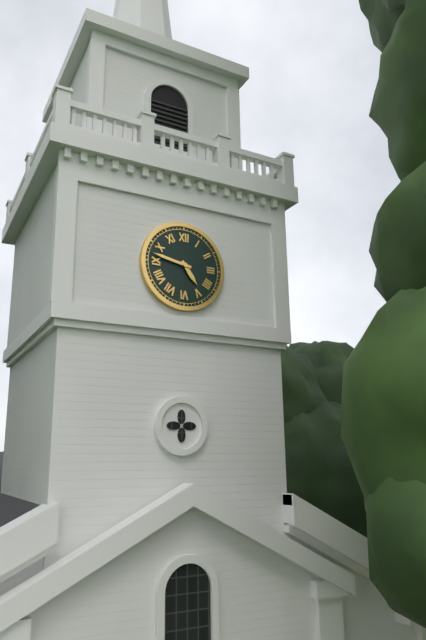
4:47
